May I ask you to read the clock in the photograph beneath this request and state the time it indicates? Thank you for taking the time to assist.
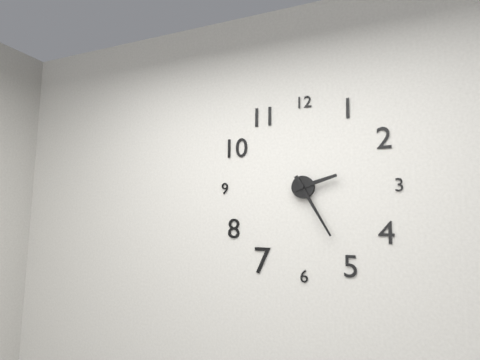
2:25
